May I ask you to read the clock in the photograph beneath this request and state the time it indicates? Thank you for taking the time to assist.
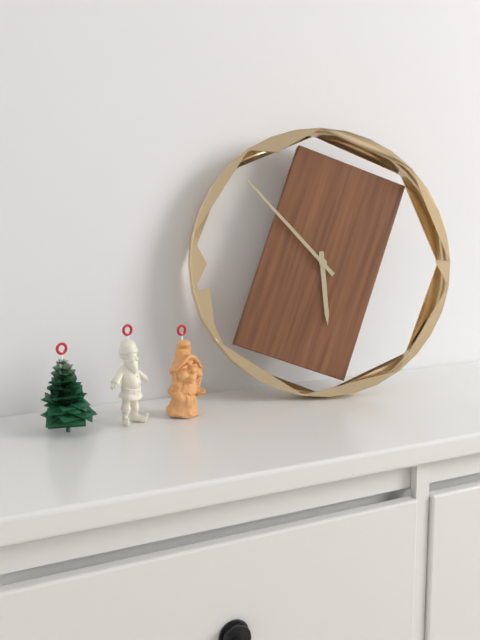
5:53
